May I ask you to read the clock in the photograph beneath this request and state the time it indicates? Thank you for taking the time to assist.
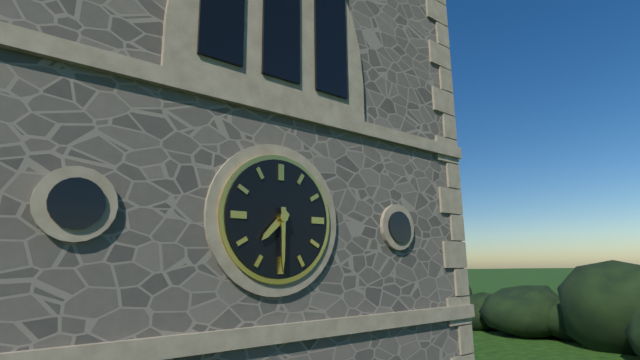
7:30
